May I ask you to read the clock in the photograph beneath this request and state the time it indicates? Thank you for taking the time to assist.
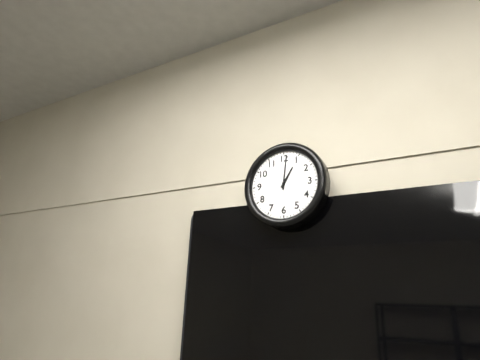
1:01
